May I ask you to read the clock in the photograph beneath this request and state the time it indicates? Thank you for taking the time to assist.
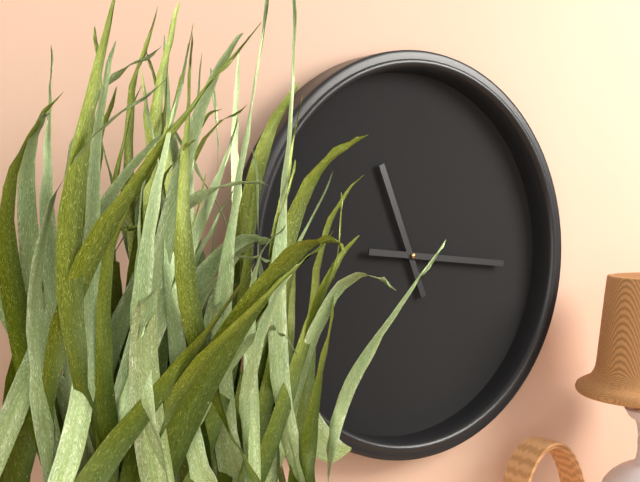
11:16
